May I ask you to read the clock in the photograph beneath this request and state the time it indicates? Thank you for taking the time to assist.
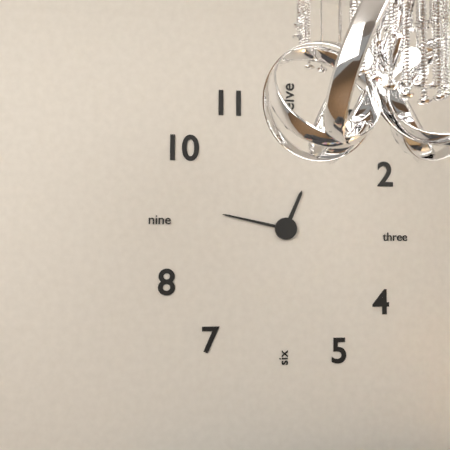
12:47
